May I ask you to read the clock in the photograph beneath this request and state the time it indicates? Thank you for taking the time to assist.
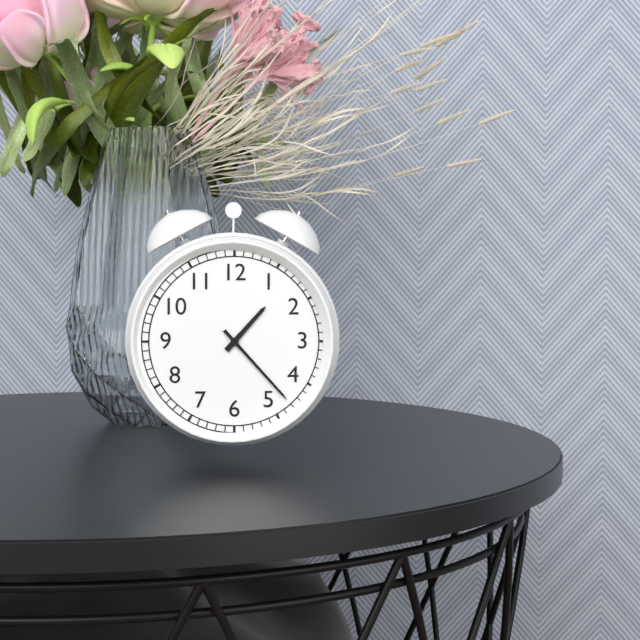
1:23
